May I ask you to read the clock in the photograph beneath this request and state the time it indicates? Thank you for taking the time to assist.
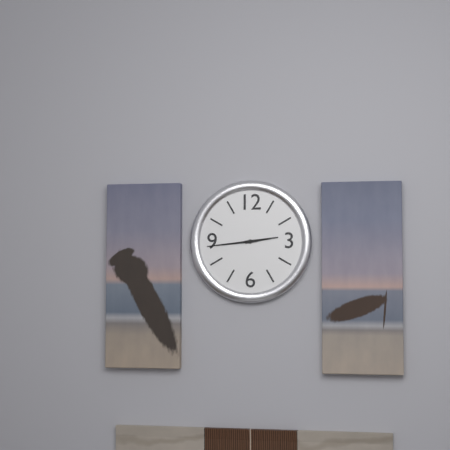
2:44
